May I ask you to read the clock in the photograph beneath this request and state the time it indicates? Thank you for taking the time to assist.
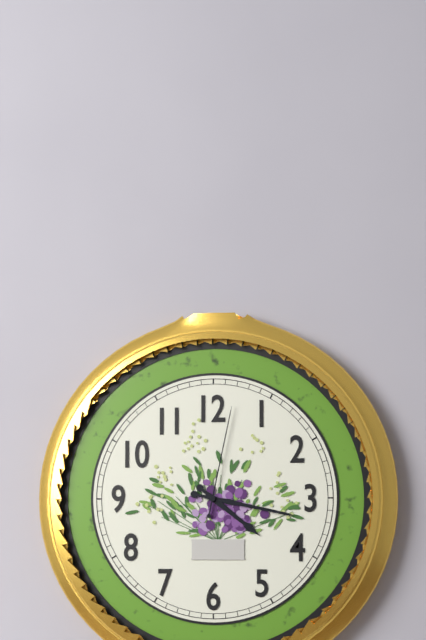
4:17:02
